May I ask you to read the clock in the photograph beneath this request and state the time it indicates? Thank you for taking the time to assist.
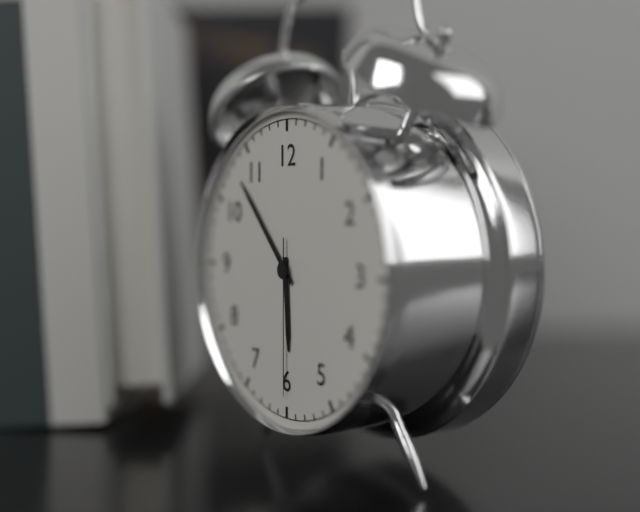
5:53:30
